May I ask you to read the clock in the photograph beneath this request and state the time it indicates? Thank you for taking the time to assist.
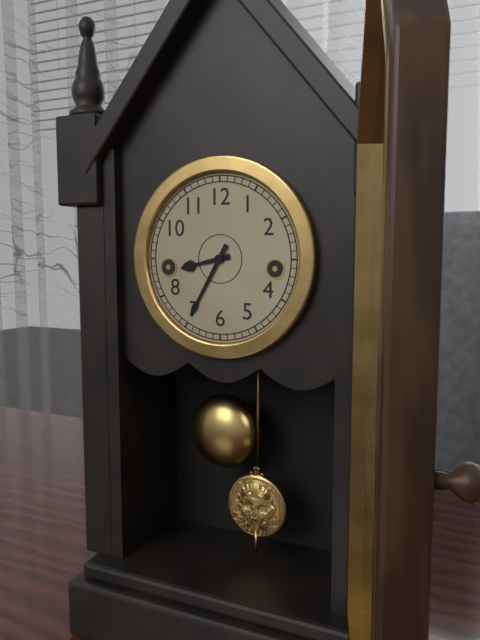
8:35
